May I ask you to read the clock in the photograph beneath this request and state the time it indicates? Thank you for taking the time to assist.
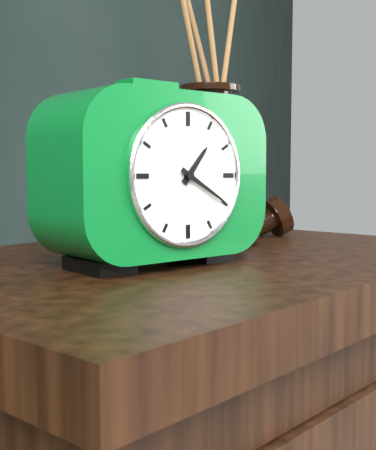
1:20
